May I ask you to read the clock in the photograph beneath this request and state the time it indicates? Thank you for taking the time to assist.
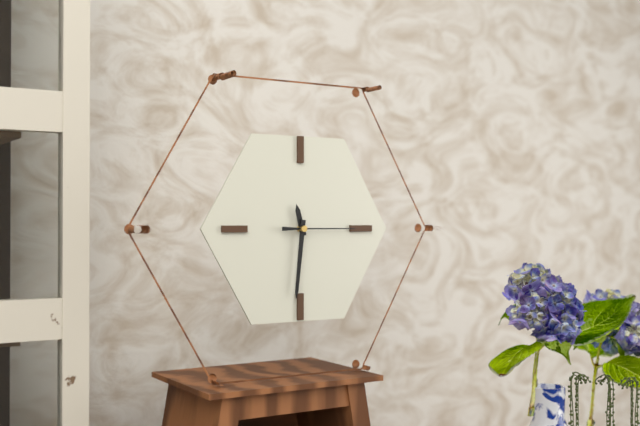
11:31:15
